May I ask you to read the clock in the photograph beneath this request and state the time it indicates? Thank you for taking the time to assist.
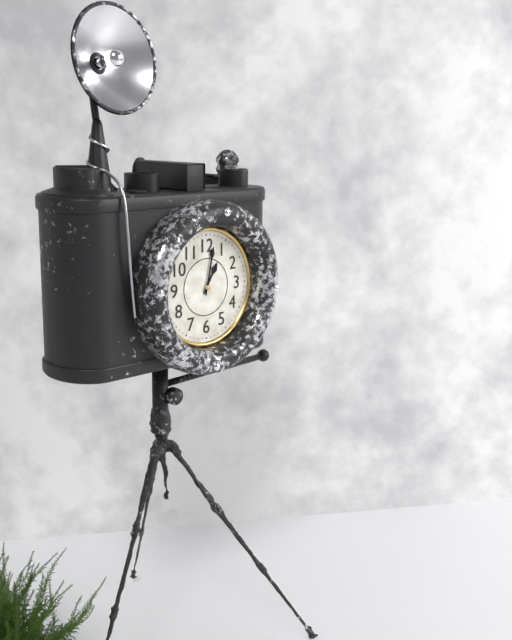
1:02
